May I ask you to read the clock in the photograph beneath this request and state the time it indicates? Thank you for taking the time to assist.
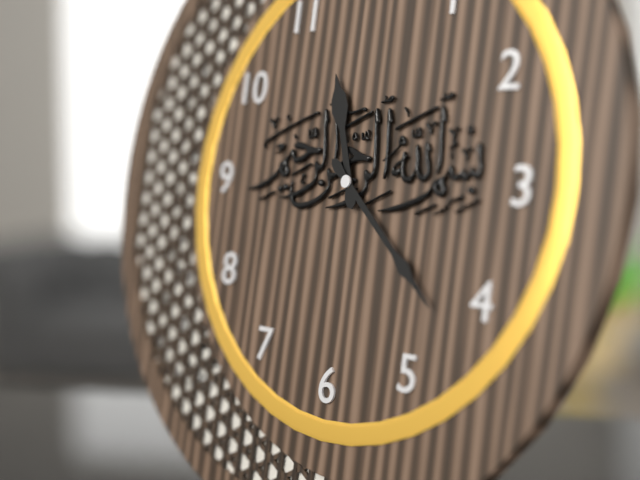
11:22
